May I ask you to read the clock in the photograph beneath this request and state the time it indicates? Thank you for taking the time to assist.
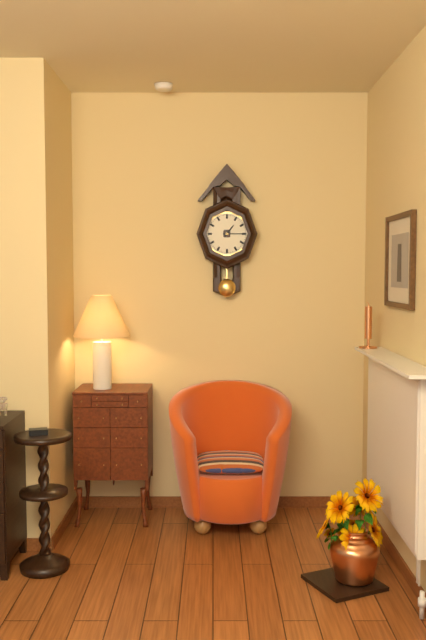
1:15
